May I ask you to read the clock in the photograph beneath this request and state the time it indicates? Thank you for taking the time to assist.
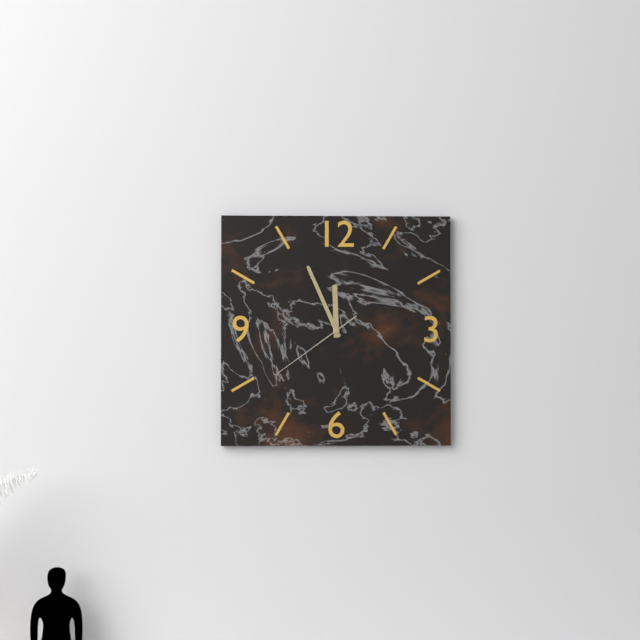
11:56:39
